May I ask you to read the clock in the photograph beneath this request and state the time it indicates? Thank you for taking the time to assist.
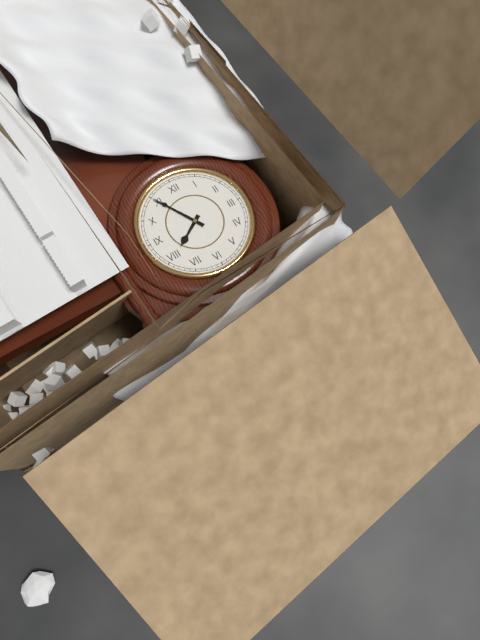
7:55
